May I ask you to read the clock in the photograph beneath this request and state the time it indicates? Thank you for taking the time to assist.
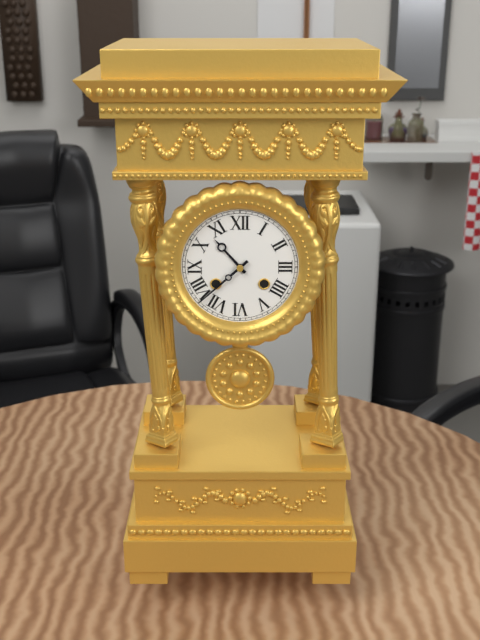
10:38
